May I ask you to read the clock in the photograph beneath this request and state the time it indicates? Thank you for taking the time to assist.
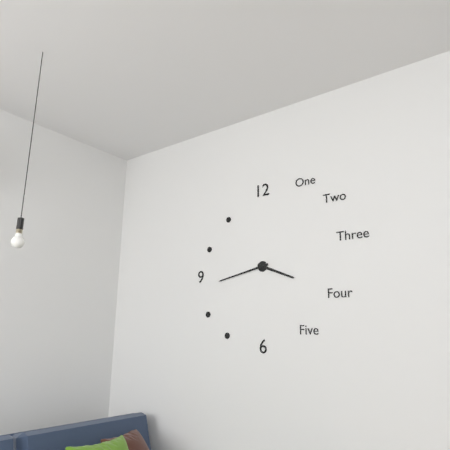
3:43
